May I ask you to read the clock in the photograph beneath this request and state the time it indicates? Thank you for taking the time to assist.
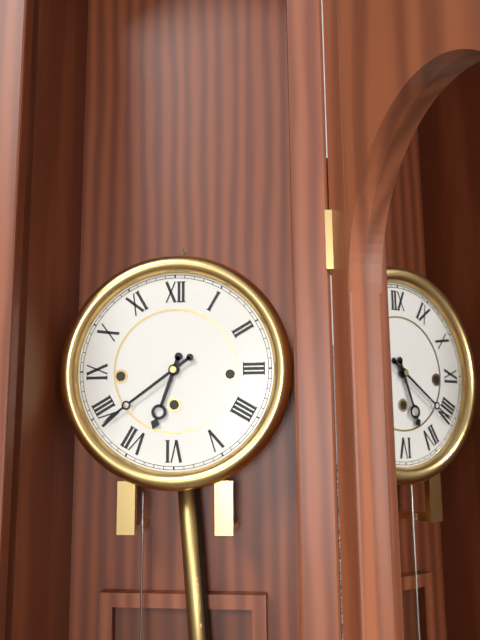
6:39
